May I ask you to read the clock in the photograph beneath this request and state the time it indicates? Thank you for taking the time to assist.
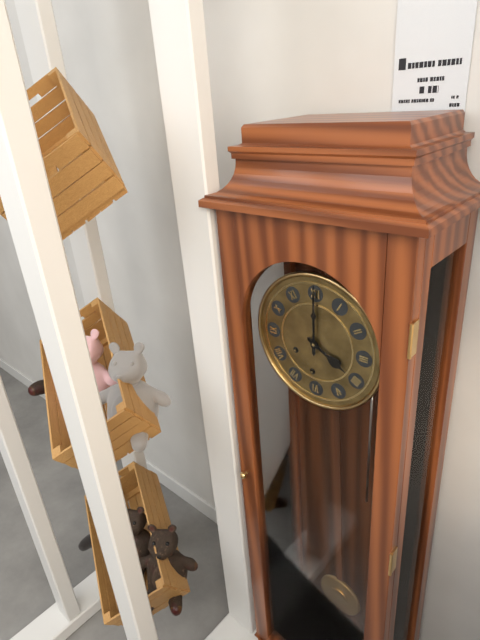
4:00
